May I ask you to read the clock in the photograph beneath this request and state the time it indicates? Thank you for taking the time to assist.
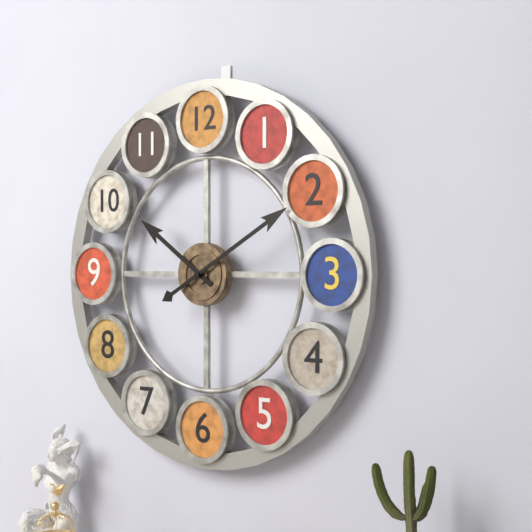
10:10
